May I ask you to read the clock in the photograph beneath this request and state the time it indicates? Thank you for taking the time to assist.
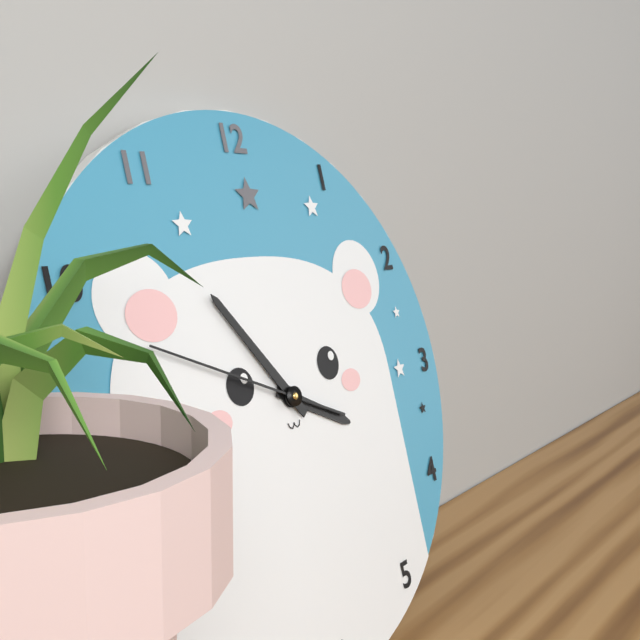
3:54:49
